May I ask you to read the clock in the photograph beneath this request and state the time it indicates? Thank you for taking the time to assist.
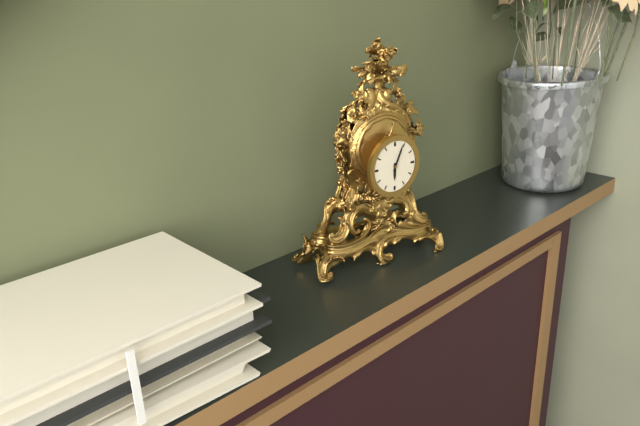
6:04
